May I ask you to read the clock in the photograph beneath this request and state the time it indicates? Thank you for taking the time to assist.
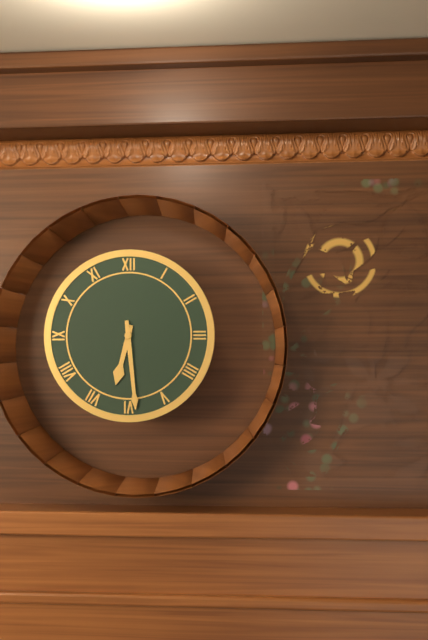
6:29
